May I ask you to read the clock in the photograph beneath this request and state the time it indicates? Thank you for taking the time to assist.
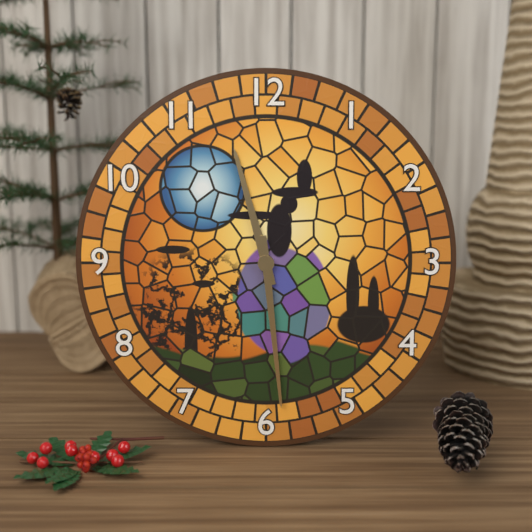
11:29
